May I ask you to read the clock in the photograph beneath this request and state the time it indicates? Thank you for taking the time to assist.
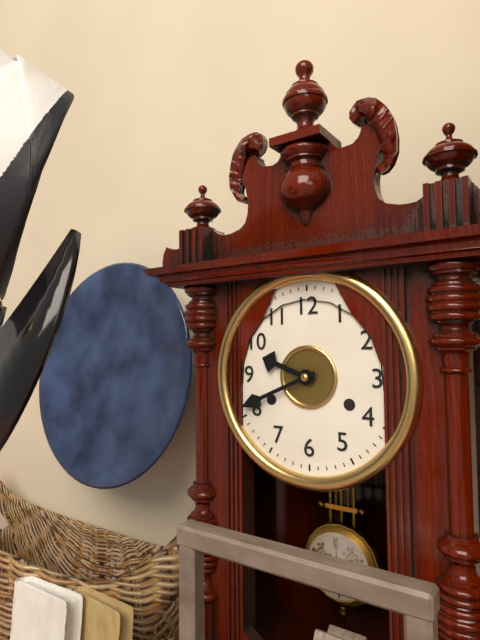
9:41
